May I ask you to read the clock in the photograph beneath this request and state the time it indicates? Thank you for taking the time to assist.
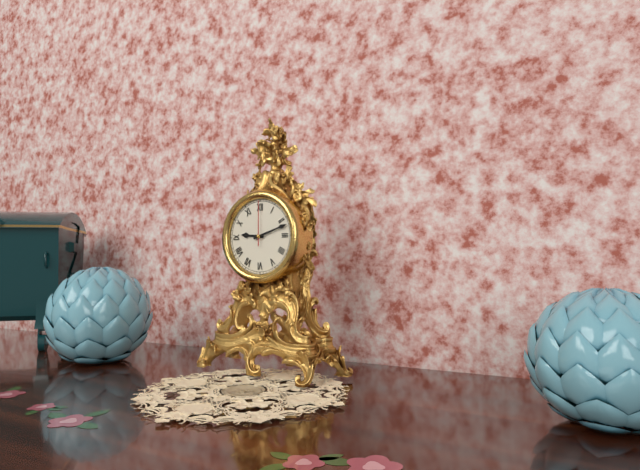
9:12
